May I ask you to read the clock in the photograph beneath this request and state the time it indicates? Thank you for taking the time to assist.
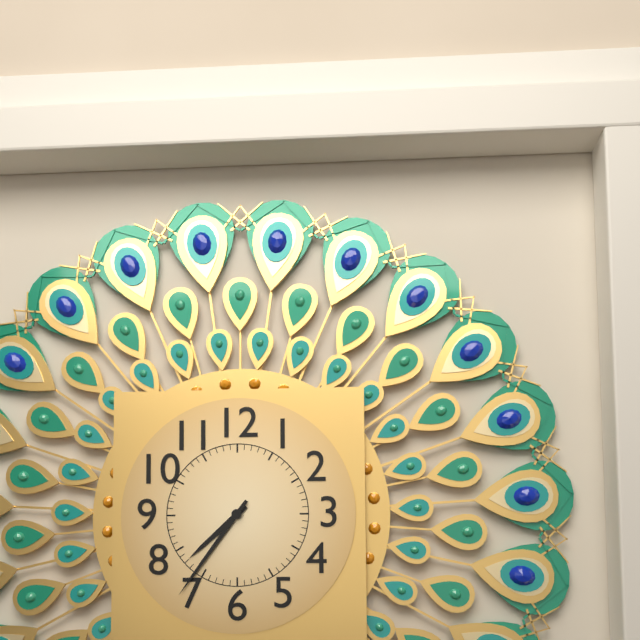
7:36
